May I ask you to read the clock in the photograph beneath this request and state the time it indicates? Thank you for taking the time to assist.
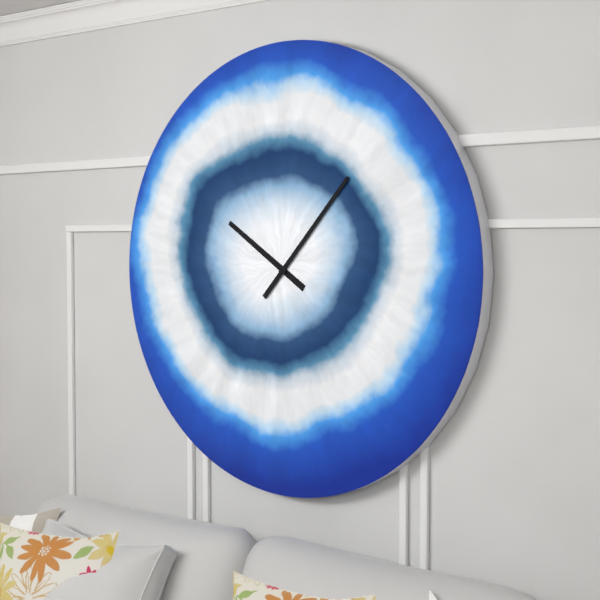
10:07
